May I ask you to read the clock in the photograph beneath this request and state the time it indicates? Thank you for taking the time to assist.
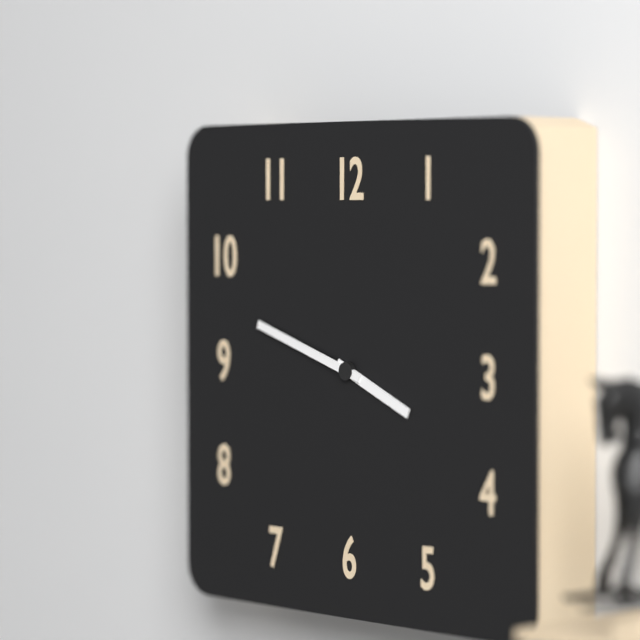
3:48
